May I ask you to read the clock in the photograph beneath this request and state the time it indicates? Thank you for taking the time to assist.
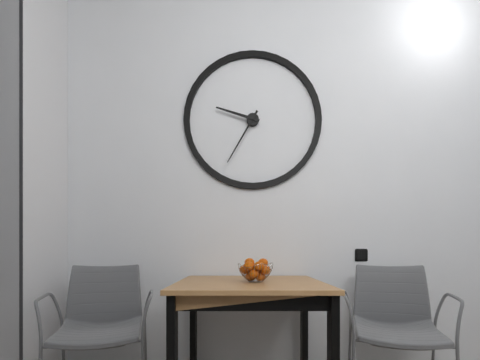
9:35
